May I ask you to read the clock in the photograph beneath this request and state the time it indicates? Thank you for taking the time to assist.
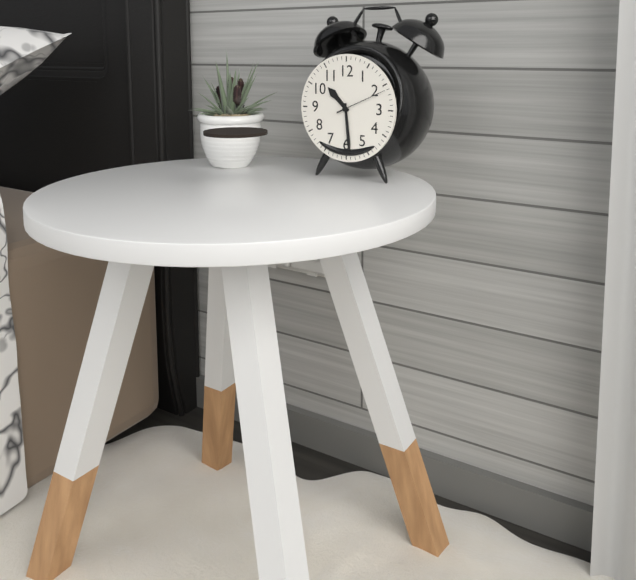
10:29:11
